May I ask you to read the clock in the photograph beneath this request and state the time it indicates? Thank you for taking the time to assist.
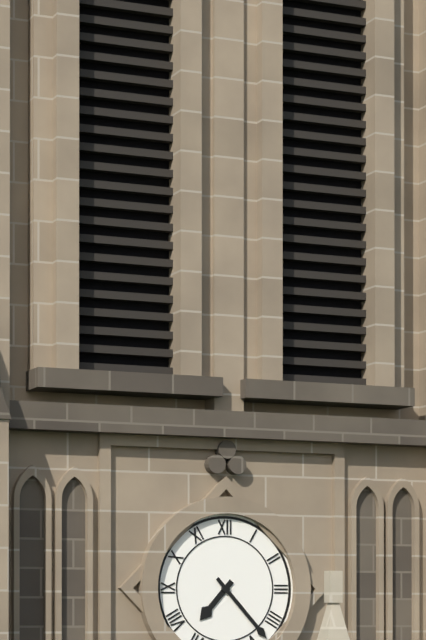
7:23
